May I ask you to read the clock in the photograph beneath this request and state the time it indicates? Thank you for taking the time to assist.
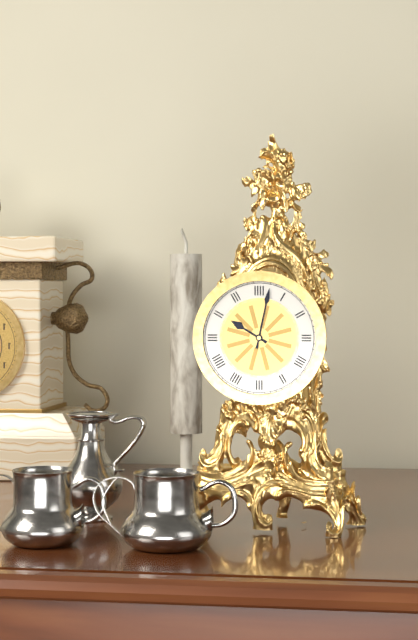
10:02
